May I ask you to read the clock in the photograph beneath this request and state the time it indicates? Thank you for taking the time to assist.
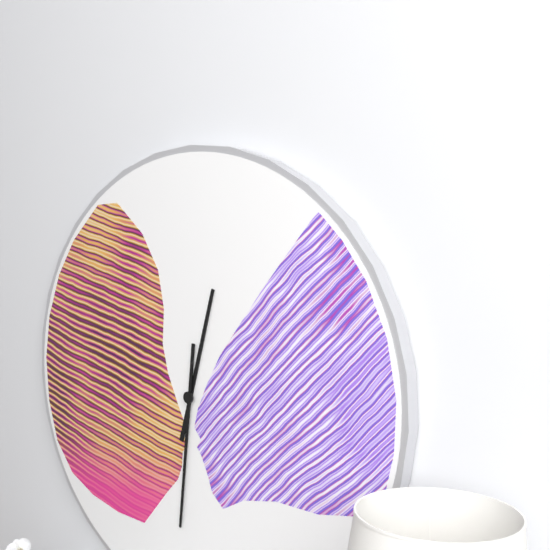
12:31
